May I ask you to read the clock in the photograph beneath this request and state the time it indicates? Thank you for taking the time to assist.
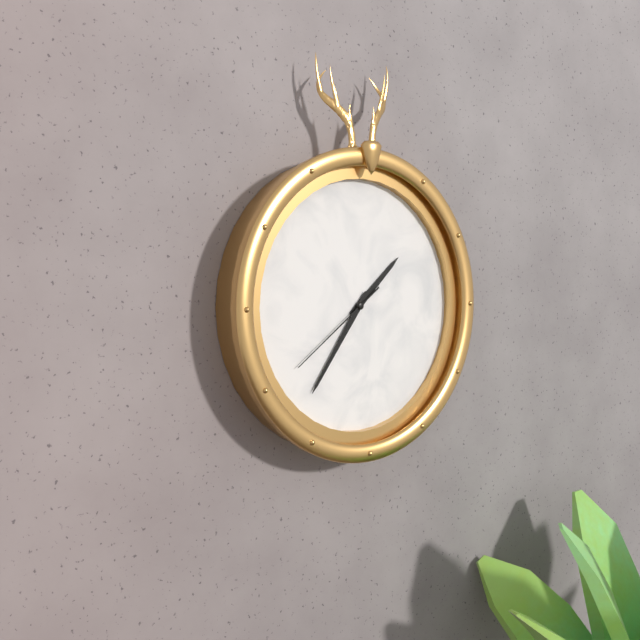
1:36:39
